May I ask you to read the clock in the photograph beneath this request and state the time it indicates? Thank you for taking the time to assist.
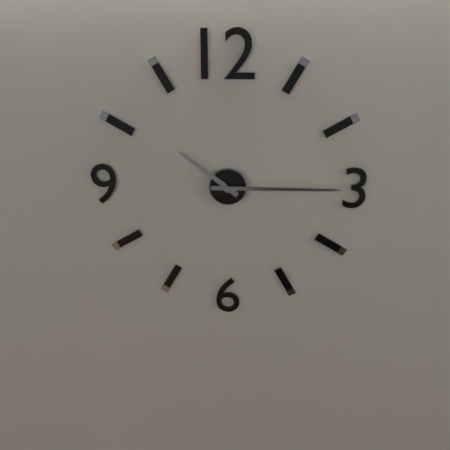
10:15
